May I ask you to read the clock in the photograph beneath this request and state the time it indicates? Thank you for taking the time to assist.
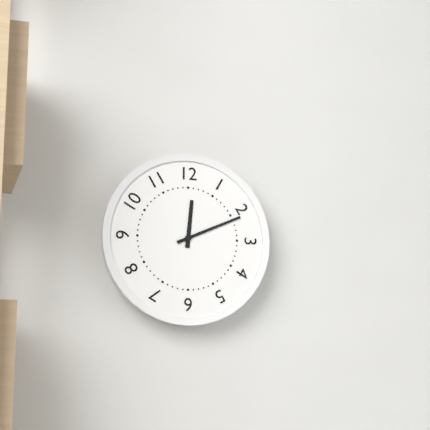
12:11
